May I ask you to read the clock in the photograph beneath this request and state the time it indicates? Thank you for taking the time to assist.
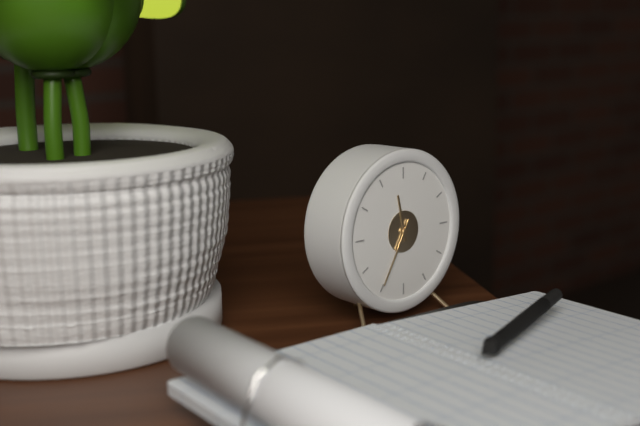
11:35
